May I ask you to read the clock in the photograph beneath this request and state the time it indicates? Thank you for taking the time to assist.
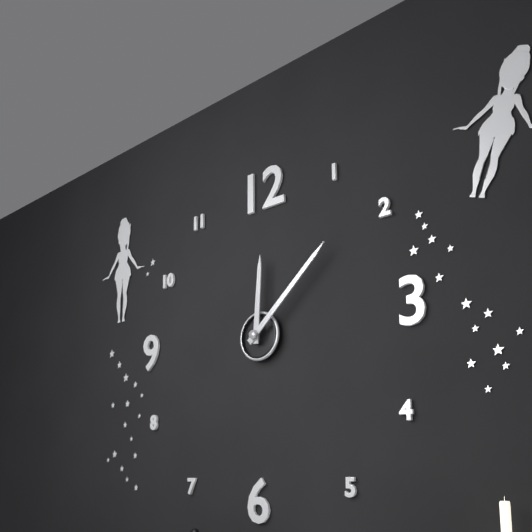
12:08
